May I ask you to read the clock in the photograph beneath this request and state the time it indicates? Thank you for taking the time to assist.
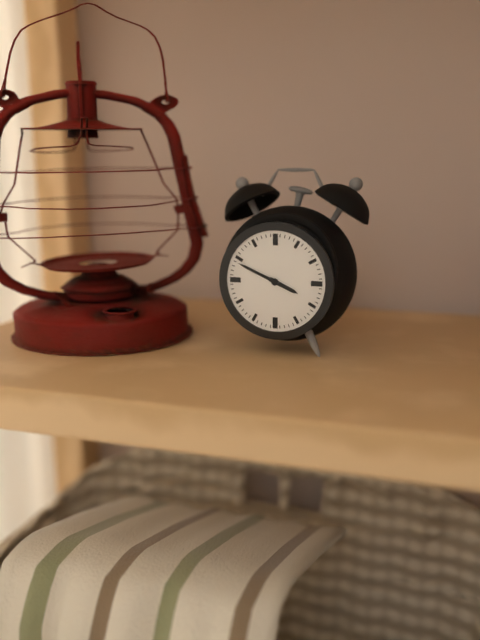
3:49
